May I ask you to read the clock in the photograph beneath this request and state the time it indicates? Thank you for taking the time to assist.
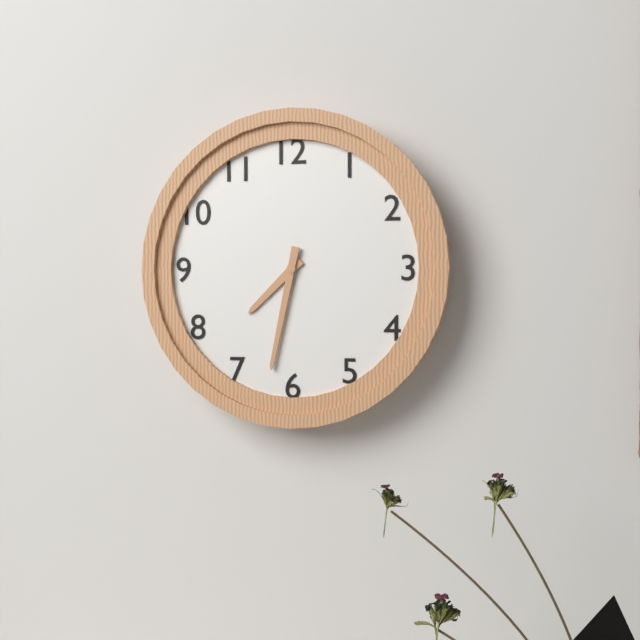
7:32
